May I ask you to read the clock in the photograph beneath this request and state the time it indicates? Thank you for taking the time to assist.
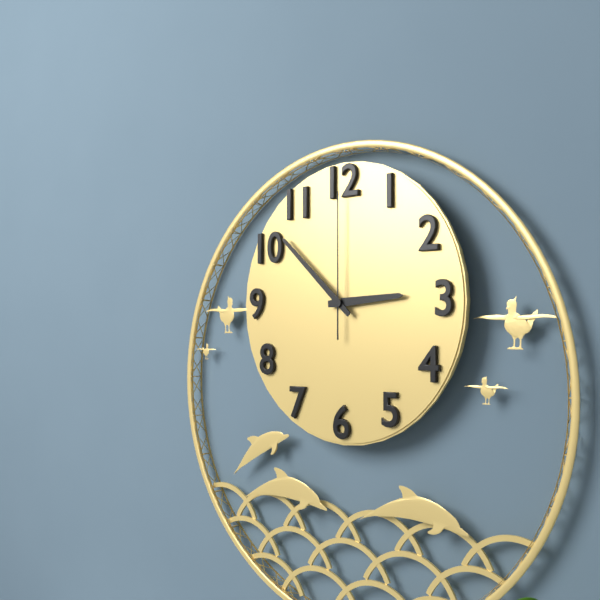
2:52:00
